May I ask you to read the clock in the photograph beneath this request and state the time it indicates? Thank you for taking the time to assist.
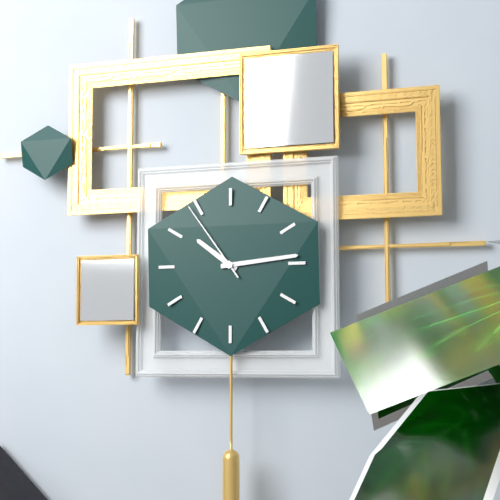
10:14:54
